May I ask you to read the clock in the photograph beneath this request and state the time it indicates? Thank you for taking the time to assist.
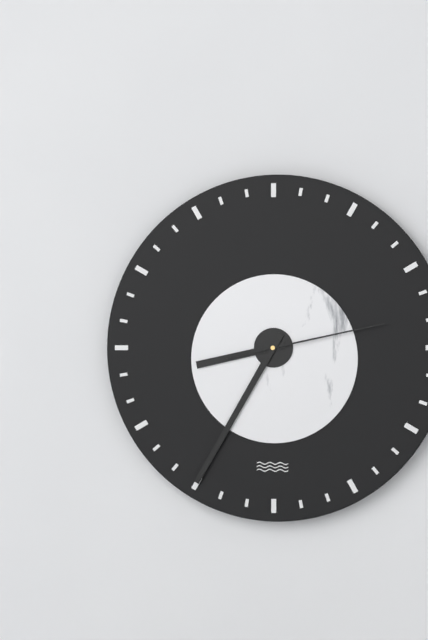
8:35:13
